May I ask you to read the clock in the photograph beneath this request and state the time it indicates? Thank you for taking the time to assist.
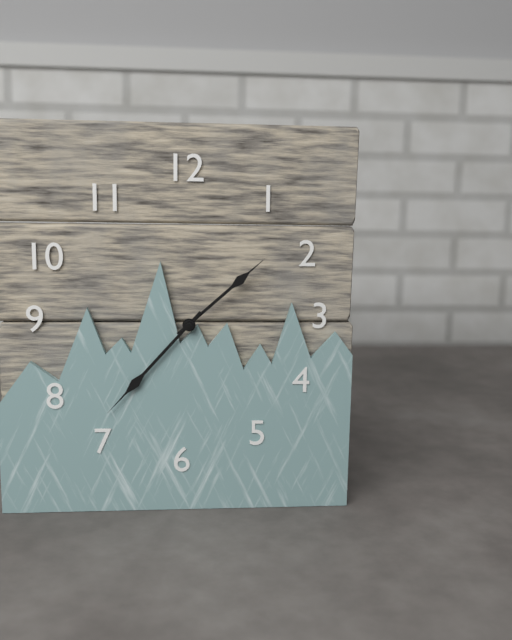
1:37
